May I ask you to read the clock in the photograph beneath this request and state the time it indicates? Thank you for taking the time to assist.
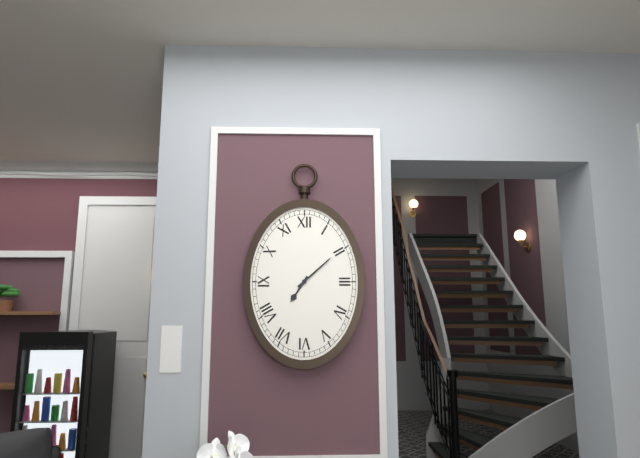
7:08
